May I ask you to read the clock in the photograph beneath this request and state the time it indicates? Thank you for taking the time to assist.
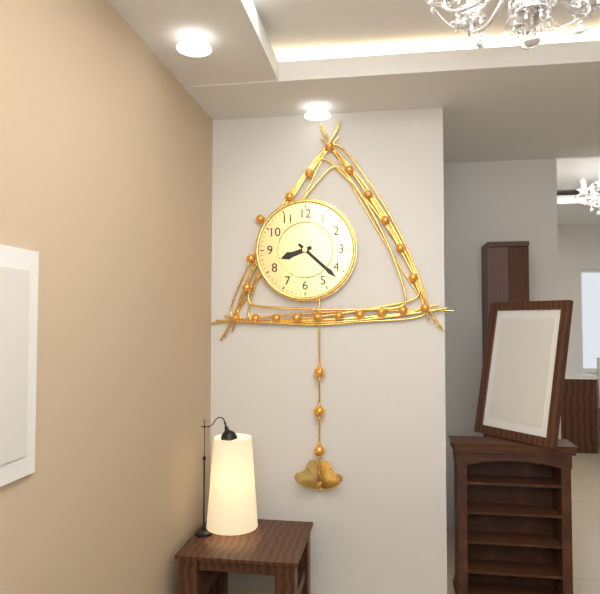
8:22
